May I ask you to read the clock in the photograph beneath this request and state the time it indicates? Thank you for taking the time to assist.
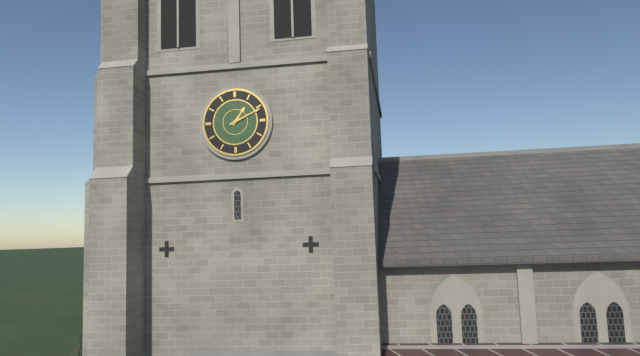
1:11
